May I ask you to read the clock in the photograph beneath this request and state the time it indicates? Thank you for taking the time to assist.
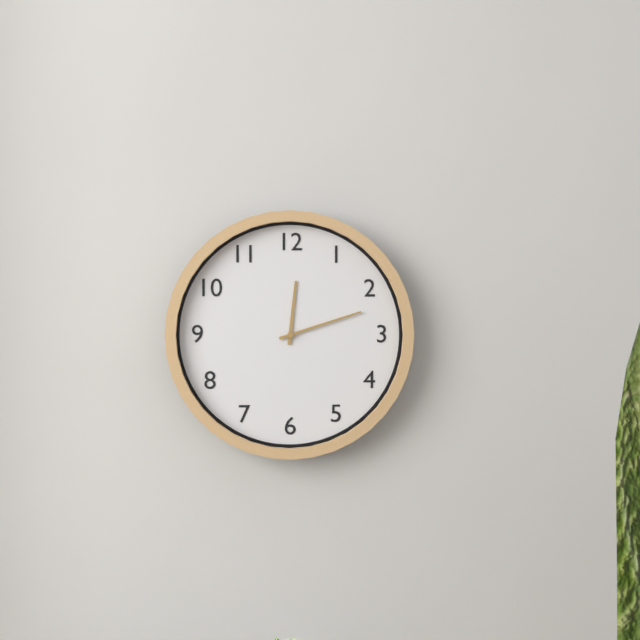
12:12
